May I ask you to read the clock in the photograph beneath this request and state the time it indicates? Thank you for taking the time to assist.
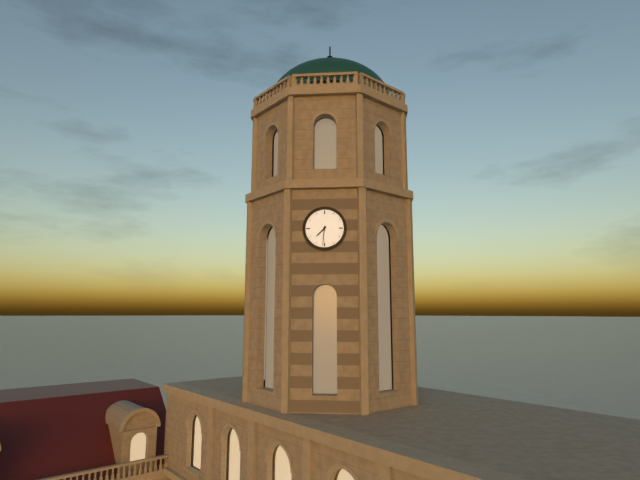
7:31
